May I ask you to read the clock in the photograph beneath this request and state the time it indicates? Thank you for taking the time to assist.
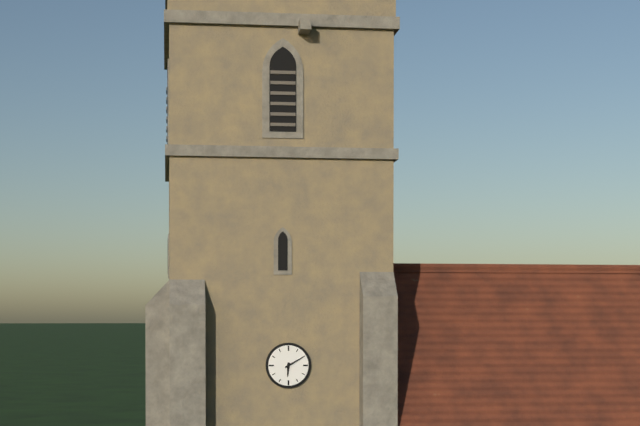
6:10
